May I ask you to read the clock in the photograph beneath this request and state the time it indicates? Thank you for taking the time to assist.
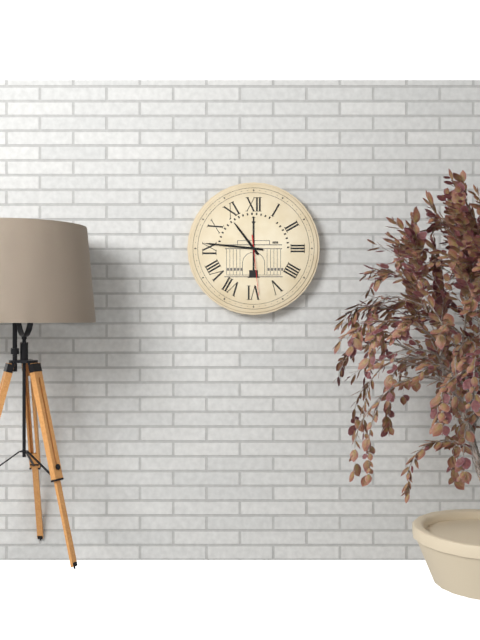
10:46:29
